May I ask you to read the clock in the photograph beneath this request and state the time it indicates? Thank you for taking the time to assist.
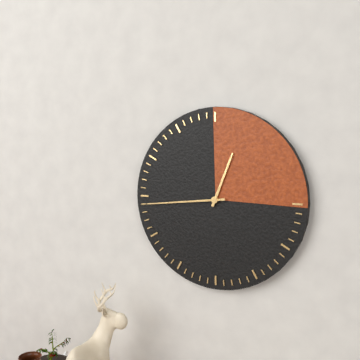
12:44
